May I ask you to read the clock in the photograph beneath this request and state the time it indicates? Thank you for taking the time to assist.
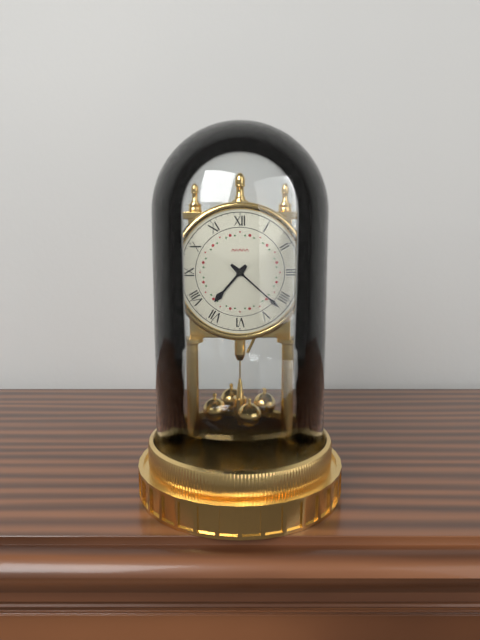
7:22
